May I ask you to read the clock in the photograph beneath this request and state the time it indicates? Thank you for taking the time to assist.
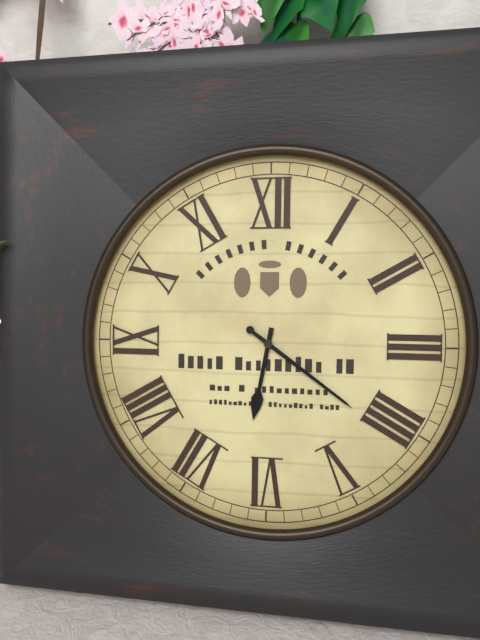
6:21
